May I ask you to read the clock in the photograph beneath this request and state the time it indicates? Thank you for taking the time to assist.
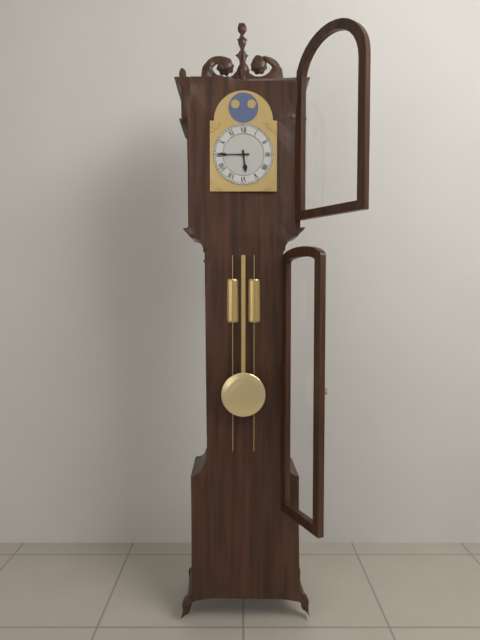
5:45
